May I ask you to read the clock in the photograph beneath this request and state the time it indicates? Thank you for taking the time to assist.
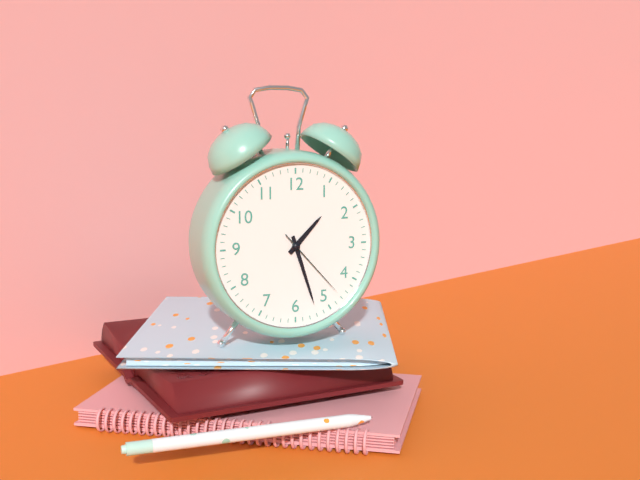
1:27:23
